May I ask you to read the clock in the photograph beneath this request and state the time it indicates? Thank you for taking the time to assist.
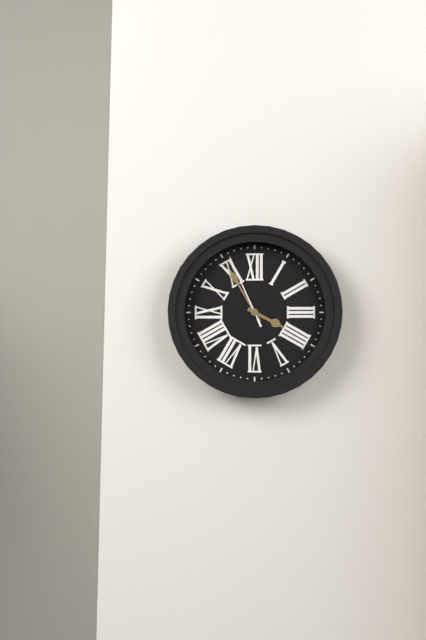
3:55:56
